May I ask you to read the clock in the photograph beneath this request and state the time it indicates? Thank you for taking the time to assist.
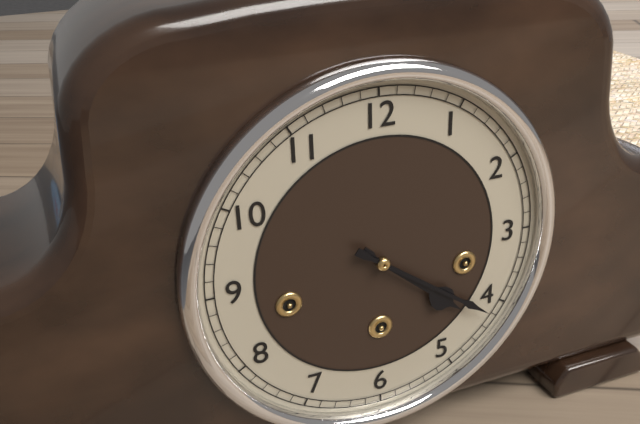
4:21
